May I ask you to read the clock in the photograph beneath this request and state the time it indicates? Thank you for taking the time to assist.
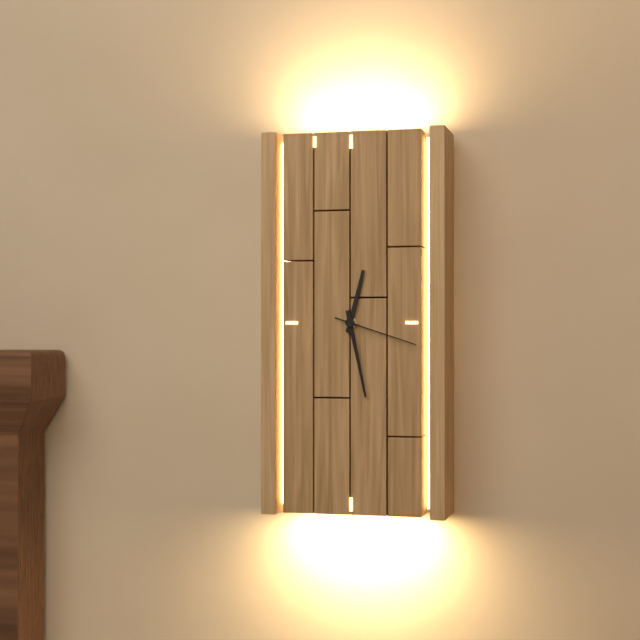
12:28:18
